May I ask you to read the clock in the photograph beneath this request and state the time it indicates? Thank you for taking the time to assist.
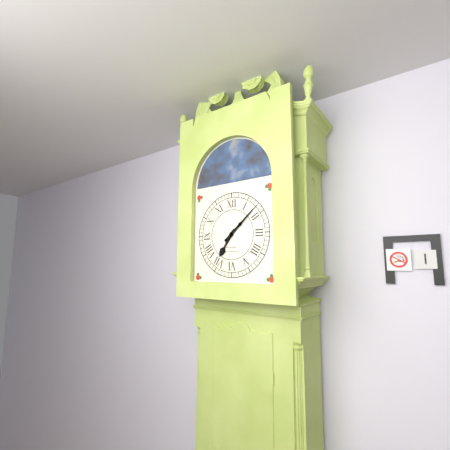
7:08
